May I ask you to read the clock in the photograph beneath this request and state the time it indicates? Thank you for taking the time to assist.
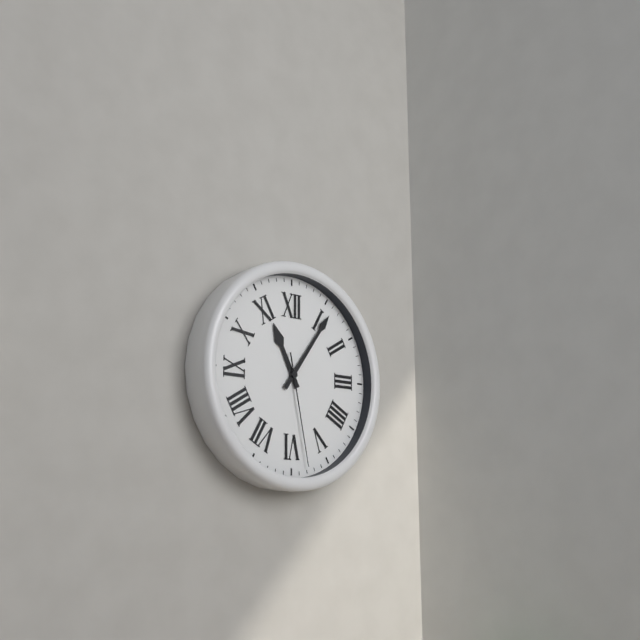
11:06:28
